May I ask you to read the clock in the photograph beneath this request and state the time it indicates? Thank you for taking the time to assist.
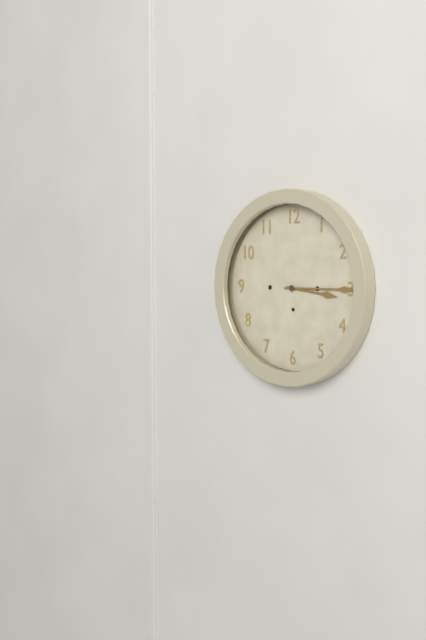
3:15
